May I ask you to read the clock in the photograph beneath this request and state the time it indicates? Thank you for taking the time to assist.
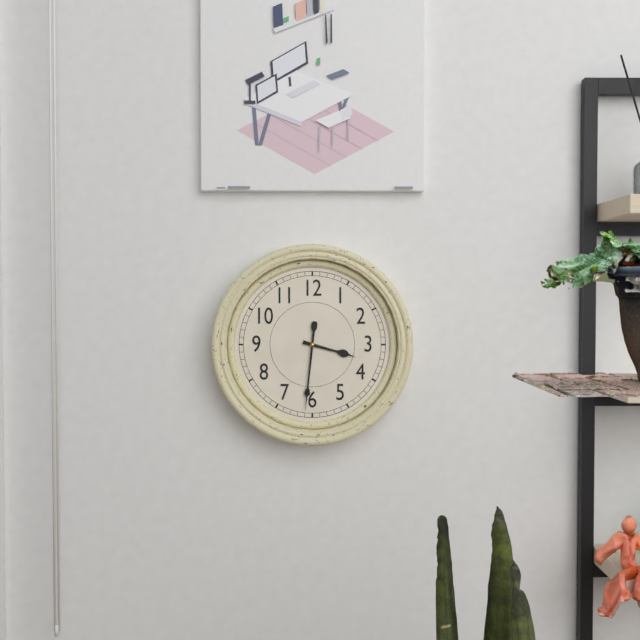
3:31
